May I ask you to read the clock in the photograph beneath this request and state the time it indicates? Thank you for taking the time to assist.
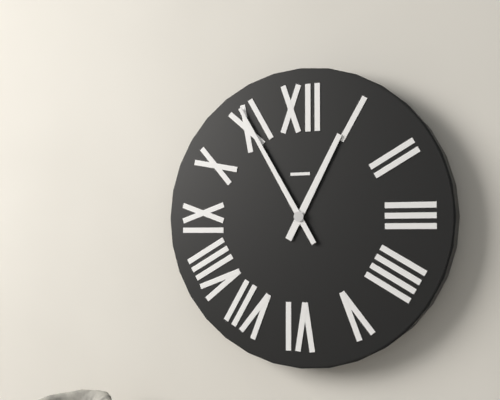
12:55
